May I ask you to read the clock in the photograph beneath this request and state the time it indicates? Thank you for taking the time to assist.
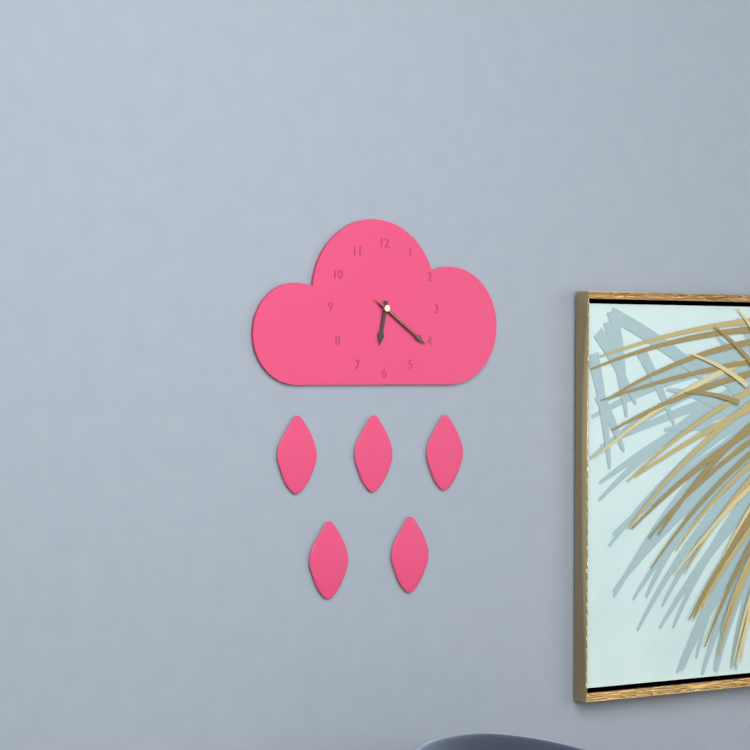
6:21:21
